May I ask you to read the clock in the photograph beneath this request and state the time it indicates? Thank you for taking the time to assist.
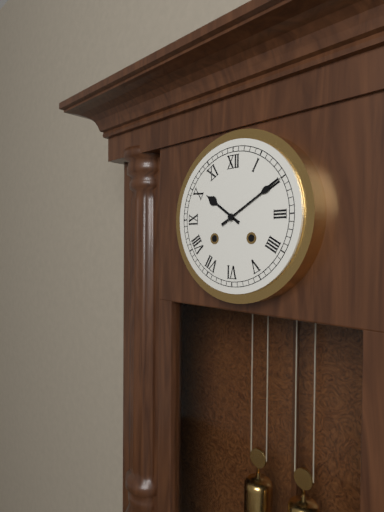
10:10
